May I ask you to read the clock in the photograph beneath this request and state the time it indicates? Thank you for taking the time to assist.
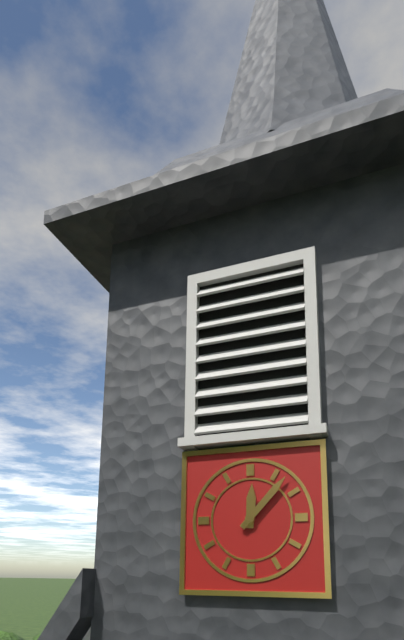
12:07
